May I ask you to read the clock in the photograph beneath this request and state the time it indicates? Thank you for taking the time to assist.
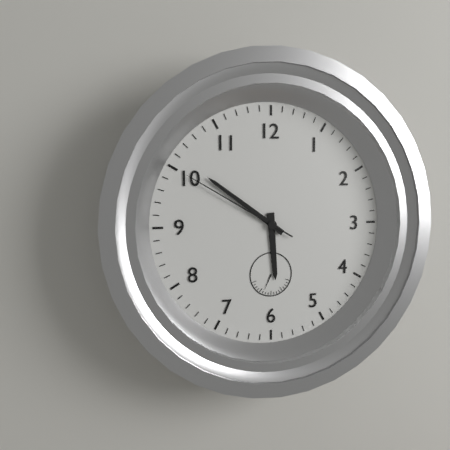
5:51:50
